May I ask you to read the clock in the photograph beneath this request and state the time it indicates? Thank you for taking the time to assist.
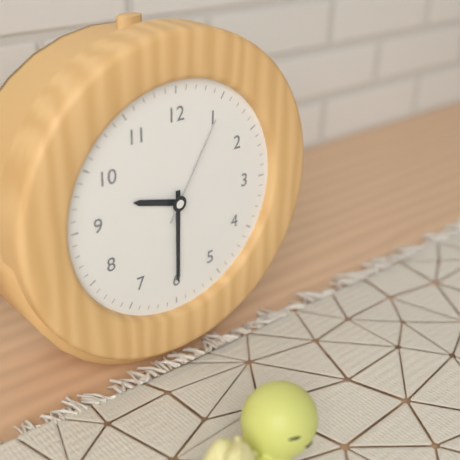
9:30:05
